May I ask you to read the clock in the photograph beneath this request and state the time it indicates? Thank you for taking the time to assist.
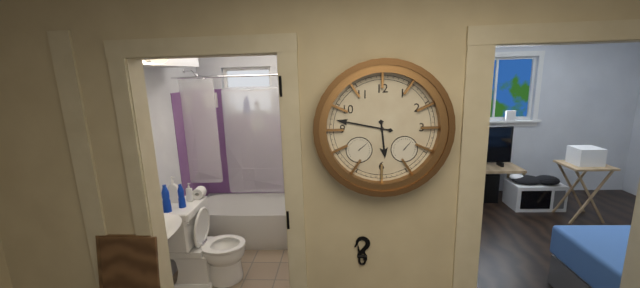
5:47
